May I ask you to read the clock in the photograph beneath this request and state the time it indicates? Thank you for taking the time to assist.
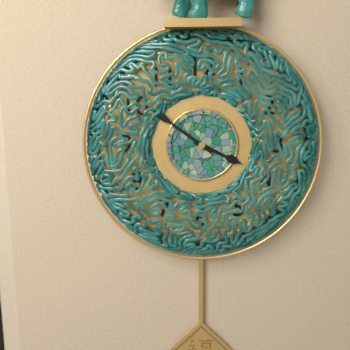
3:51
